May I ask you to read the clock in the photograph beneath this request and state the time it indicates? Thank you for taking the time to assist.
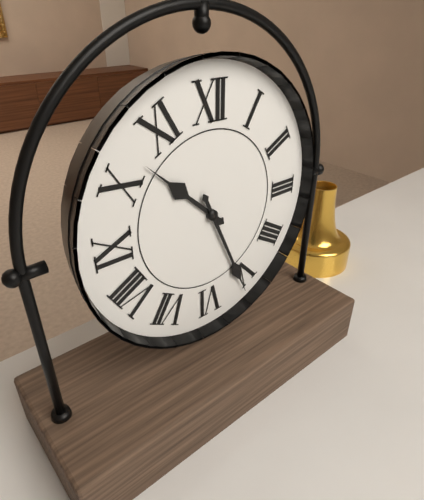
10:26
